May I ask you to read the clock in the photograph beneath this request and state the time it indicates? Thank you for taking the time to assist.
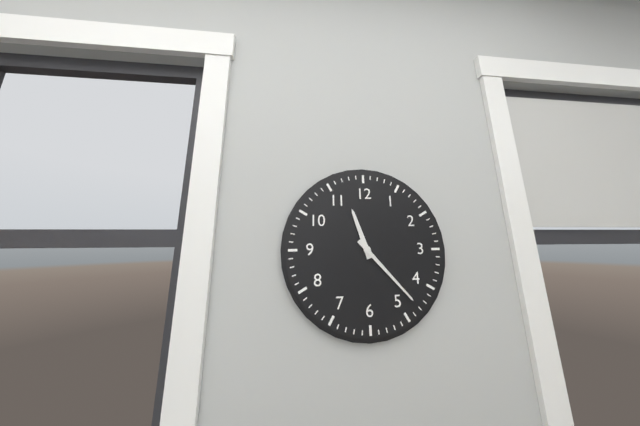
11:23
